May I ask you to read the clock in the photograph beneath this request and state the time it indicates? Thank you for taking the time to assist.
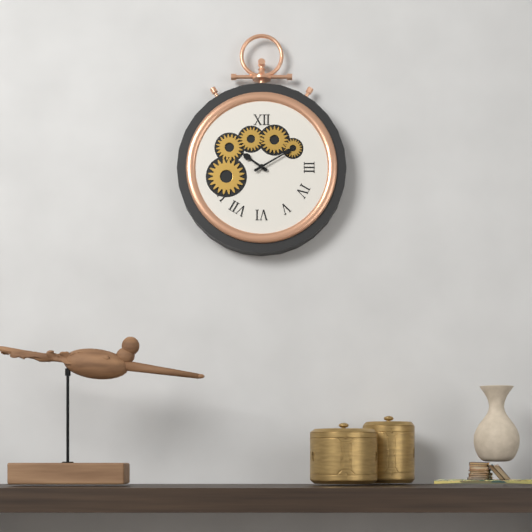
10:10
